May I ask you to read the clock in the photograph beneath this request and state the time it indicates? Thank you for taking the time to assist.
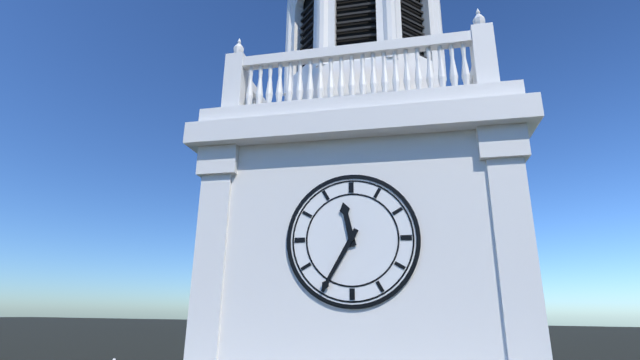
11:35
